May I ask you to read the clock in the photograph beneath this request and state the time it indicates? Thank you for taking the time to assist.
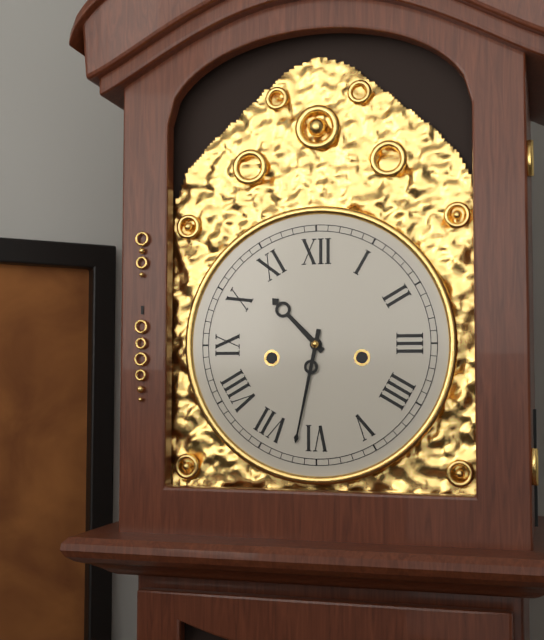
10:32
